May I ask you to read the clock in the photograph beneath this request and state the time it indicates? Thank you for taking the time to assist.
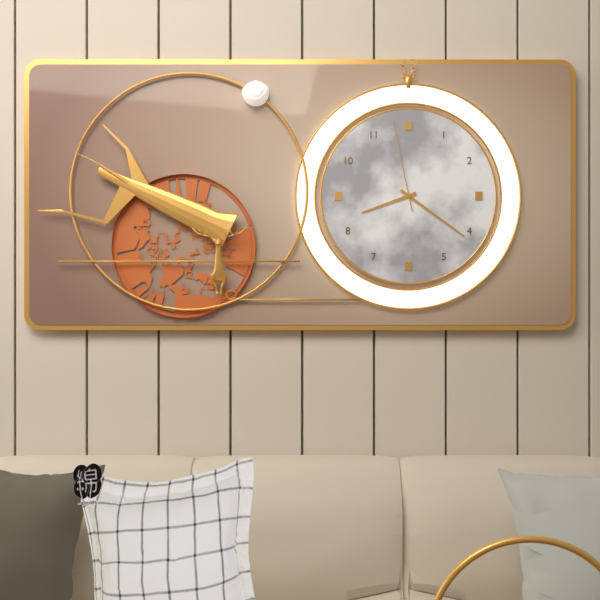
8:21:58
